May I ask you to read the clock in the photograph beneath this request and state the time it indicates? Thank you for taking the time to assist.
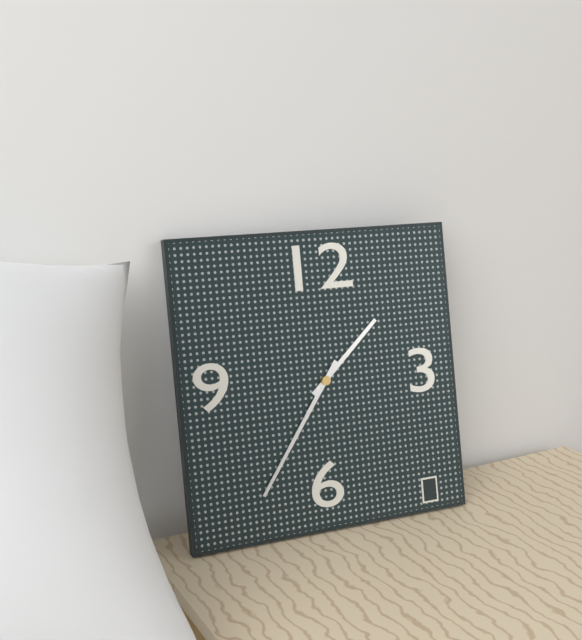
1:36
